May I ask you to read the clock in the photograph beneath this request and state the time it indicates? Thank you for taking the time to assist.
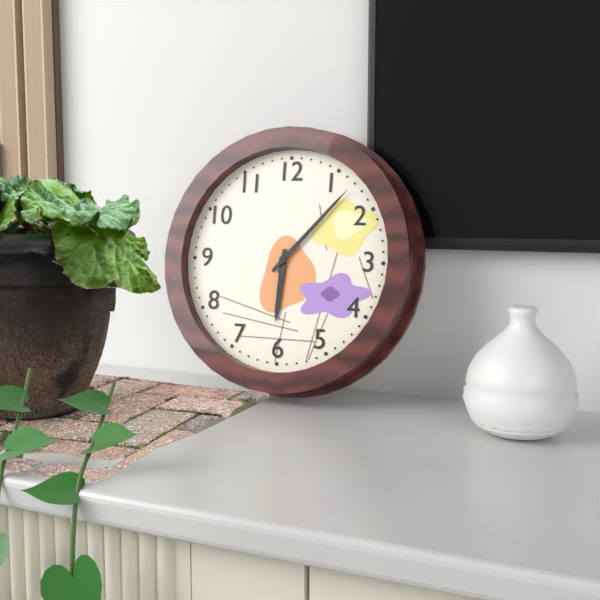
6:07
